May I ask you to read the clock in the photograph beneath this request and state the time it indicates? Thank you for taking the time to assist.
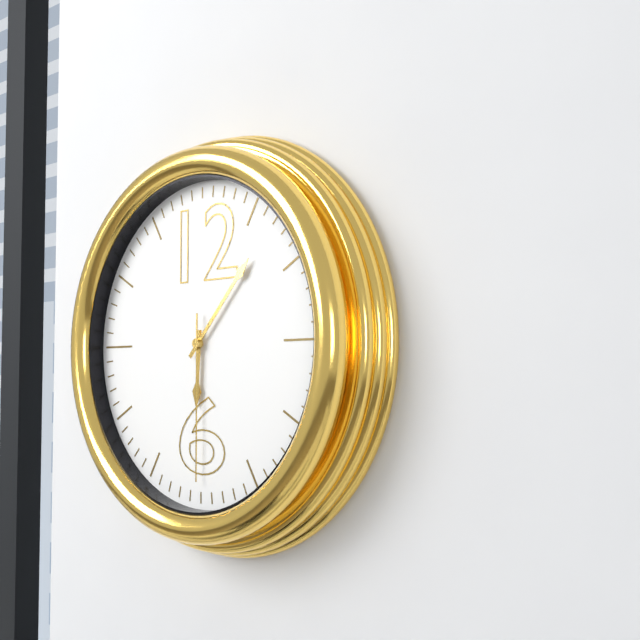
6:07:30
